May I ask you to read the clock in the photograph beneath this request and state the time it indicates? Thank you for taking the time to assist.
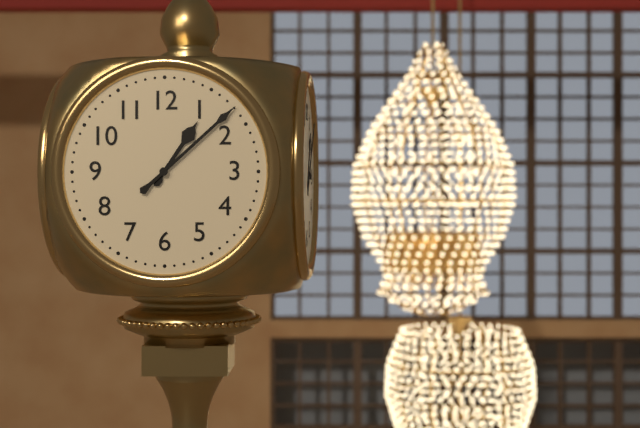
1:08
